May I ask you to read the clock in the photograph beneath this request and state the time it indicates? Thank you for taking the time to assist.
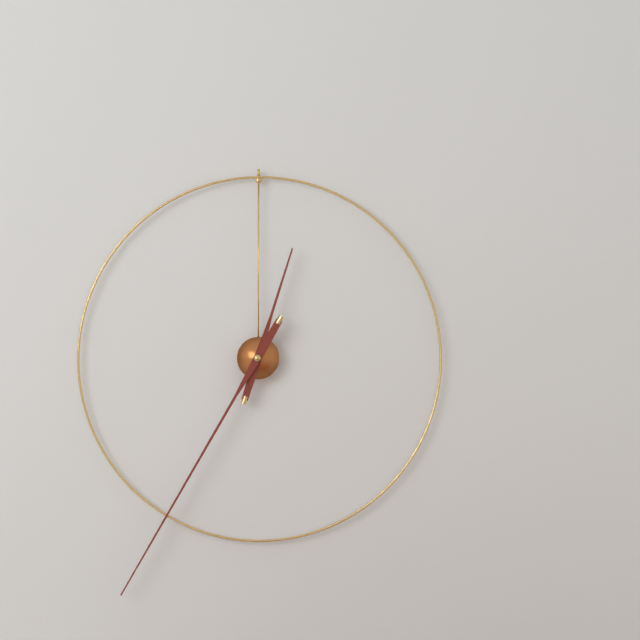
12:35
